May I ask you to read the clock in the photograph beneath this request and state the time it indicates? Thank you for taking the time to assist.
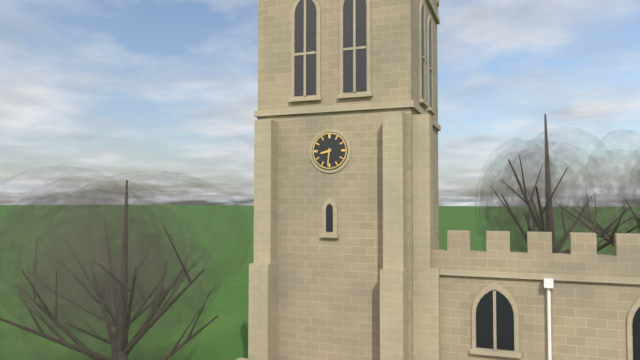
8:31
